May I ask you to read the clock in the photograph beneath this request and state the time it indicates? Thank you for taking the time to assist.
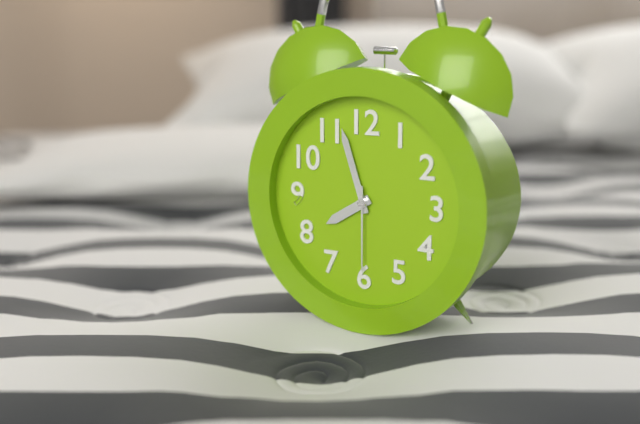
7:57:30
